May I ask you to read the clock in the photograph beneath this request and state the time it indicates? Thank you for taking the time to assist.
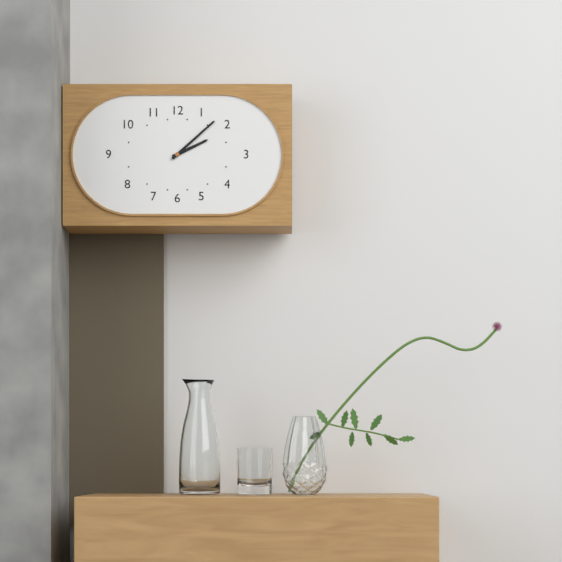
2:08
